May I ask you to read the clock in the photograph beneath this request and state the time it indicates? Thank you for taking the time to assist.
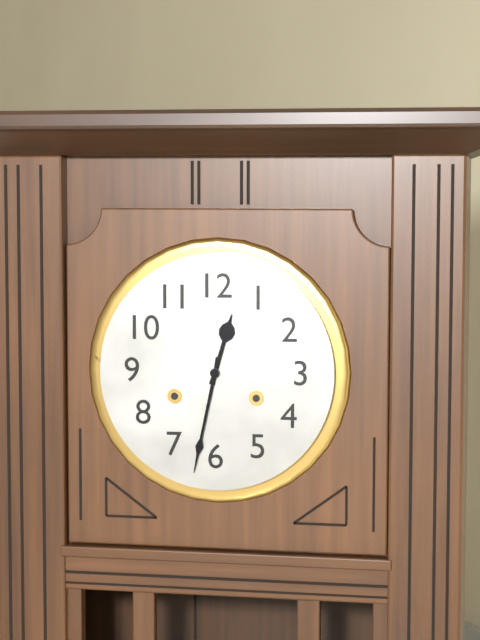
12:32
